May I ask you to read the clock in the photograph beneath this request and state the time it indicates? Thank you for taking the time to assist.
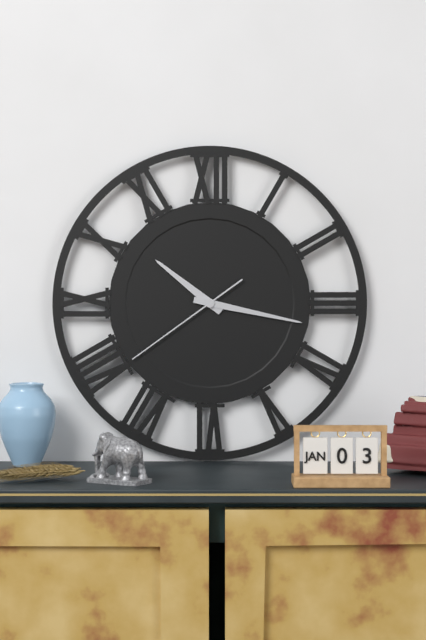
10:17:39
